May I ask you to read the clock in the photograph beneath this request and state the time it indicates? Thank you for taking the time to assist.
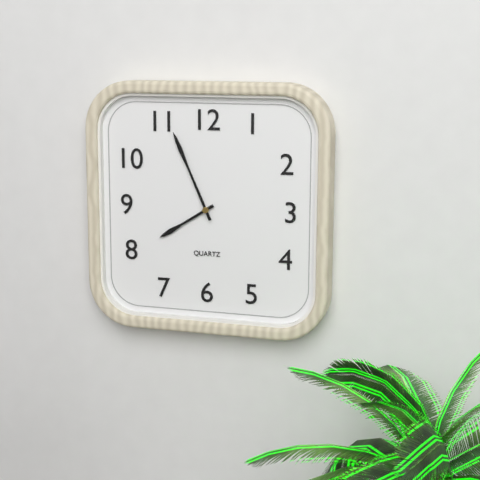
7:56
